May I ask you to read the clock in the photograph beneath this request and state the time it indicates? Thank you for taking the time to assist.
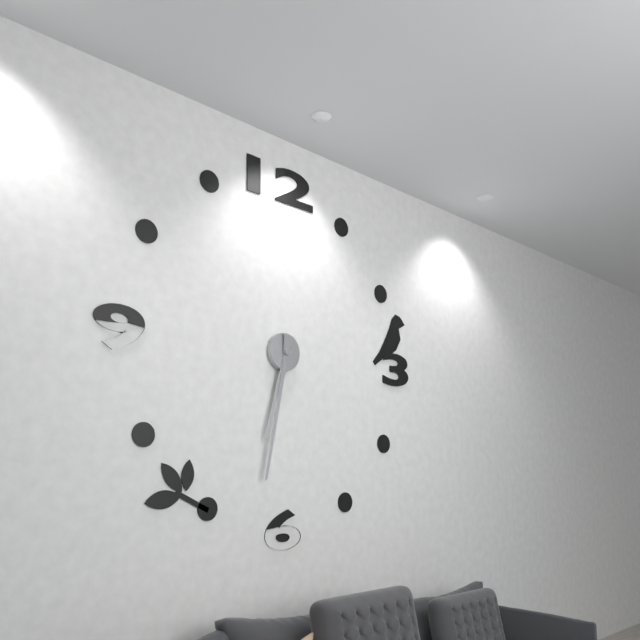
6:32
